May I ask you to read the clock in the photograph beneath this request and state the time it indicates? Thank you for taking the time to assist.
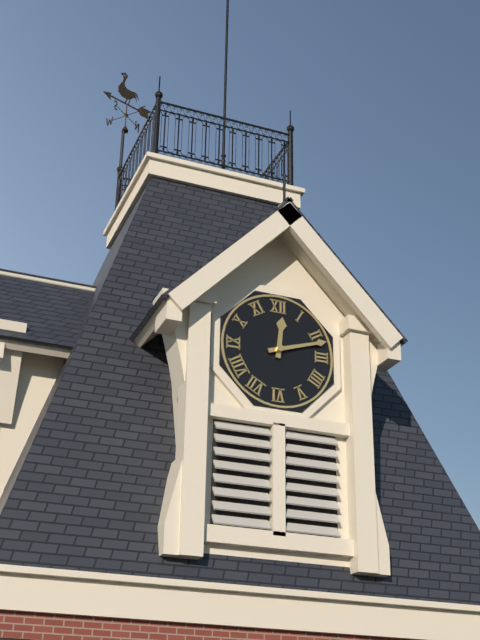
12:12
